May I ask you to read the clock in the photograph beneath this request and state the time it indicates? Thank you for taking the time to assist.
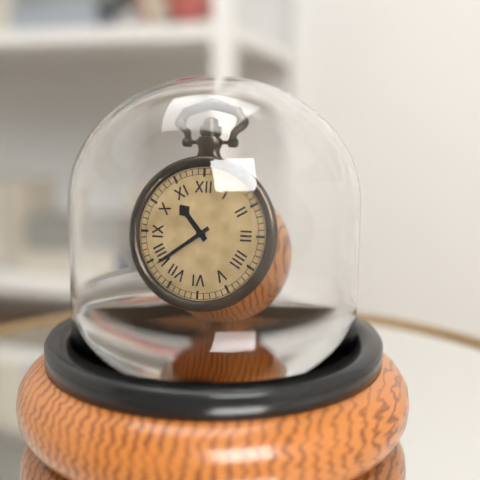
10:39
